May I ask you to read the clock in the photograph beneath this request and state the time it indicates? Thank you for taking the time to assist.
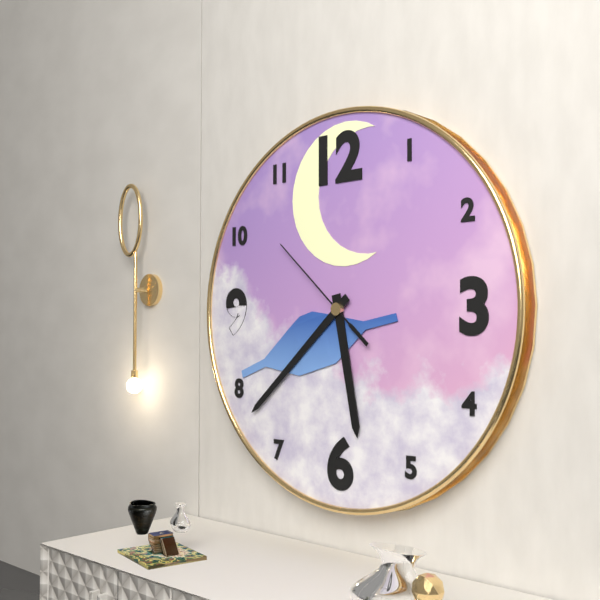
5:38:52
